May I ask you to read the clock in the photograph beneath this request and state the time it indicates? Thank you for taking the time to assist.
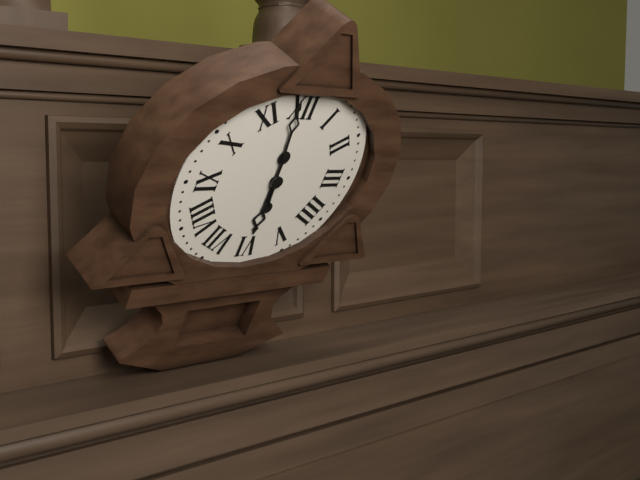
5:59
